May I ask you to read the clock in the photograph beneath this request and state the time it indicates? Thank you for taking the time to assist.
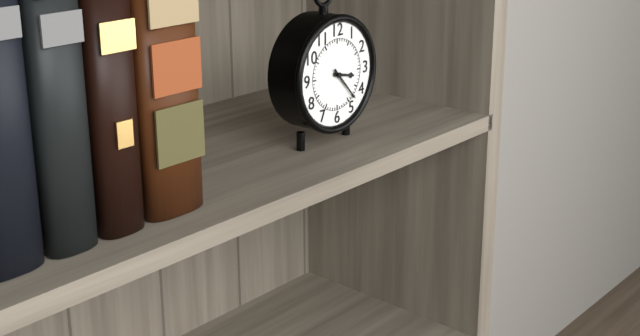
3:23
